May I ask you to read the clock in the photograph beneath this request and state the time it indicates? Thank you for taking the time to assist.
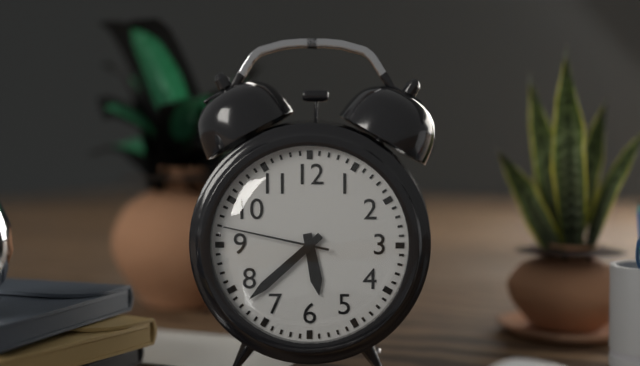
5:38:47
